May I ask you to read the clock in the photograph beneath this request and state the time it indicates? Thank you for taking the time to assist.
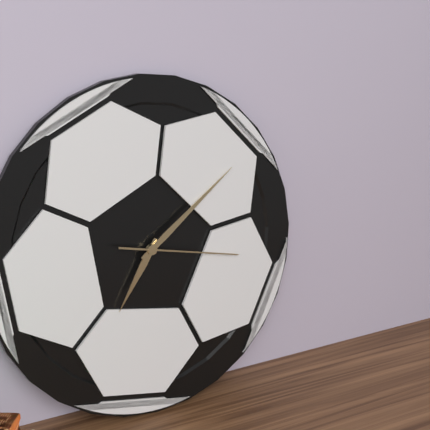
7:09:17
